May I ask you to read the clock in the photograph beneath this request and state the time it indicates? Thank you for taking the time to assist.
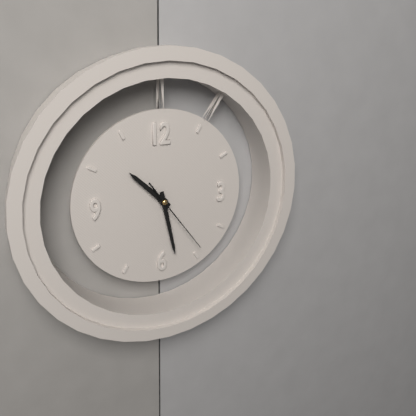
10:28:24
